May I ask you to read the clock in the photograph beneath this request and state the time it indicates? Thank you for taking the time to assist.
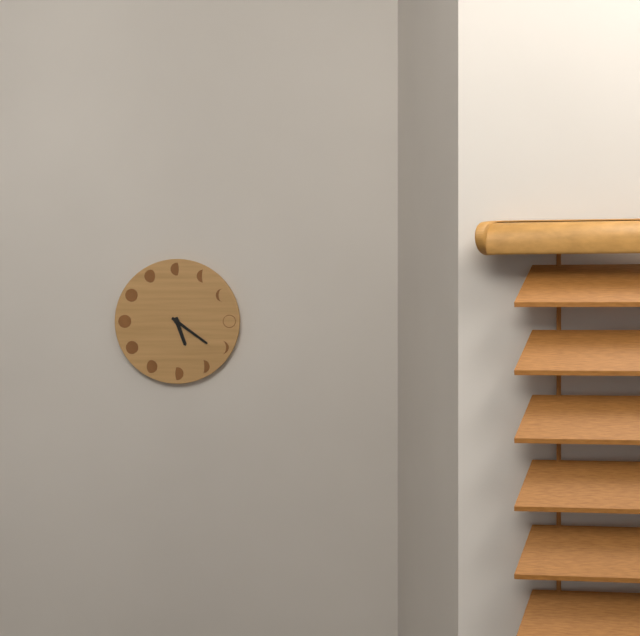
5:21
